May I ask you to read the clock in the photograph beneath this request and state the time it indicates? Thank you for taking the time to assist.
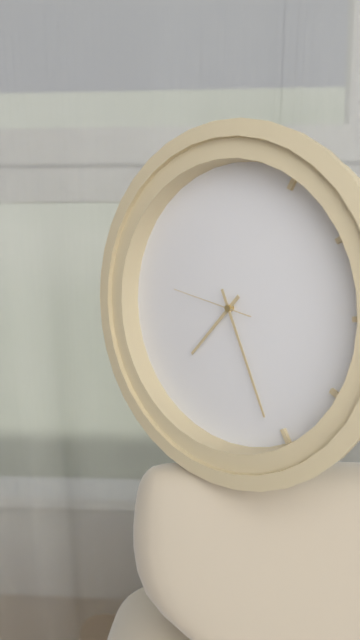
7:26:47
